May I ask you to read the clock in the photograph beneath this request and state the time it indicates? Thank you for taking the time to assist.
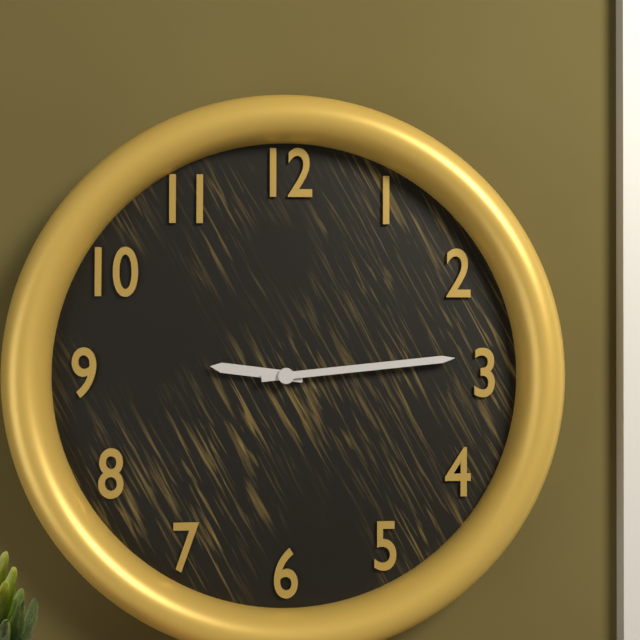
9:14
